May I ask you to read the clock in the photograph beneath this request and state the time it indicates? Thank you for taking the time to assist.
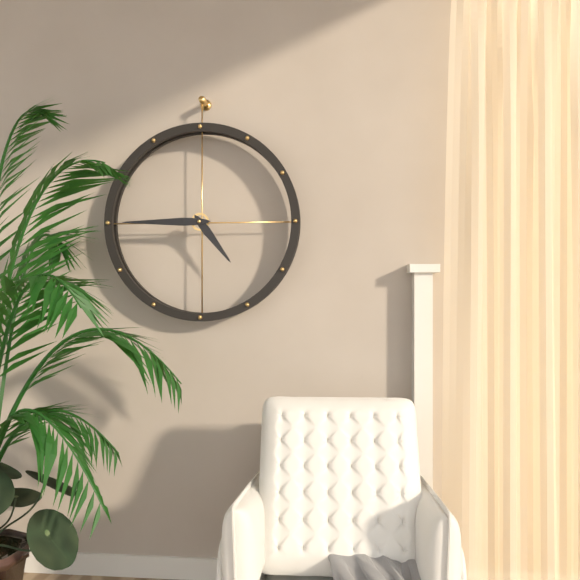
4:45
